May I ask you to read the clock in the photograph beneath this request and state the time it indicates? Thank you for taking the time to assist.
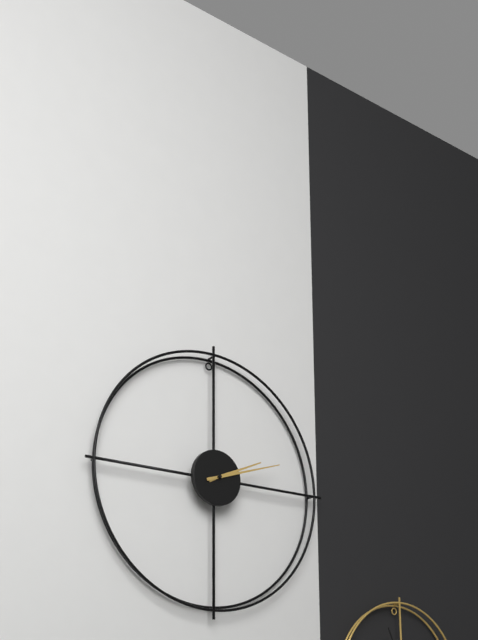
2:12
